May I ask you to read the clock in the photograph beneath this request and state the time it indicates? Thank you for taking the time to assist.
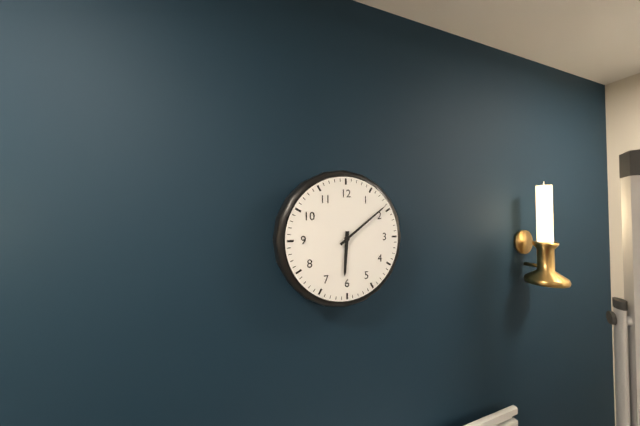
6:09
